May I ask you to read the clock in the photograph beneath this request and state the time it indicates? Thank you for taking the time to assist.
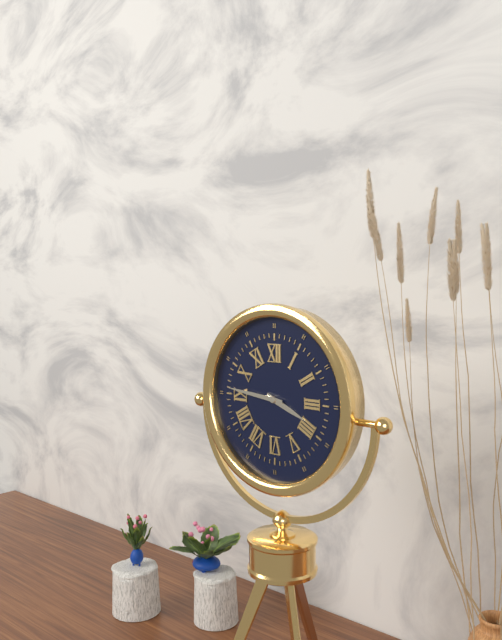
3:46
